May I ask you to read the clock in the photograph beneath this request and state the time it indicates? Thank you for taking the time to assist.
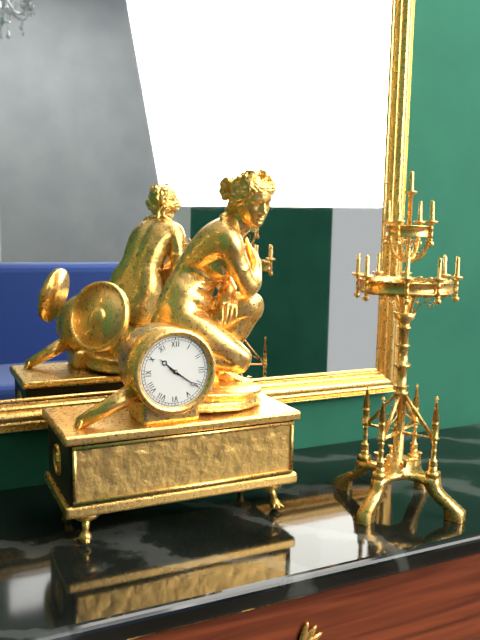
10:21
